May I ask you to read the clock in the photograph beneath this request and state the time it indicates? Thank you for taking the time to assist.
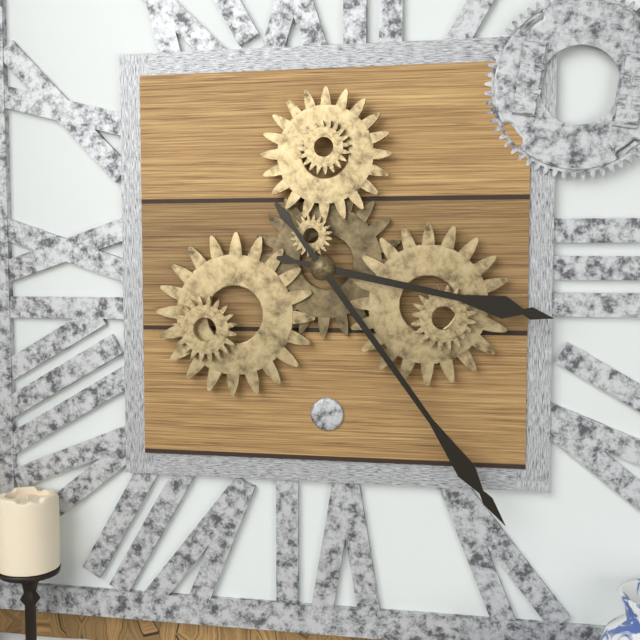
3:24
